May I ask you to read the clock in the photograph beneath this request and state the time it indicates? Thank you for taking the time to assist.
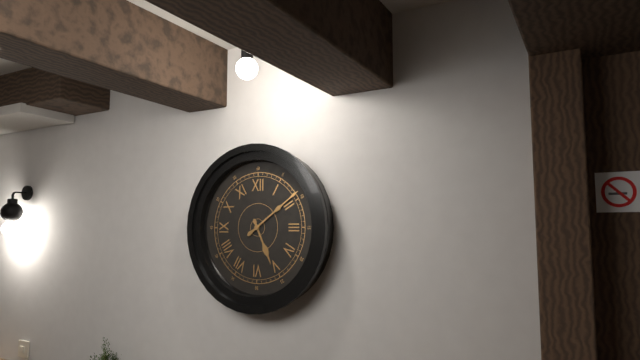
5:09
